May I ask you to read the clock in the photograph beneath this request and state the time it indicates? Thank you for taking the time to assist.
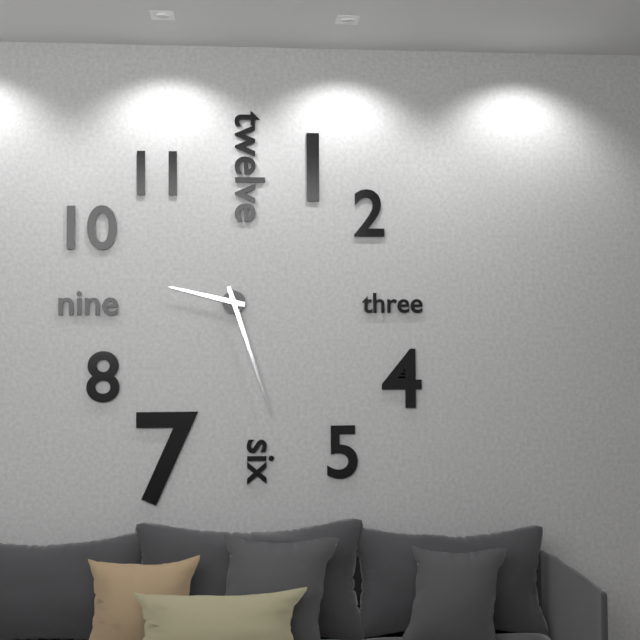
9:27
